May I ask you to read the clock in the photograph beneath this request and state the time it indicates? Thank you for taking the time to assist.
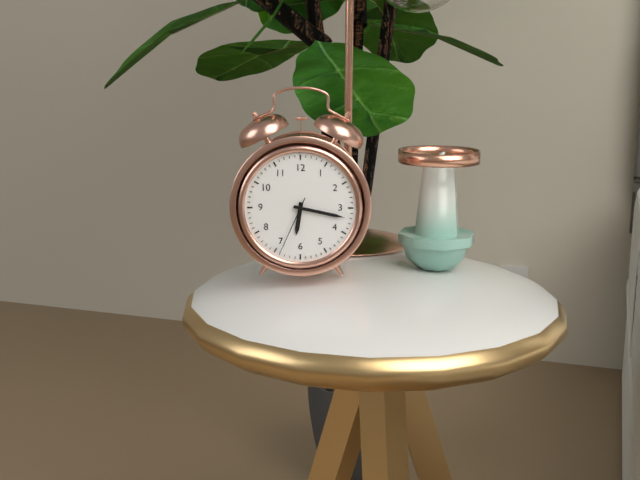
6:17:34
